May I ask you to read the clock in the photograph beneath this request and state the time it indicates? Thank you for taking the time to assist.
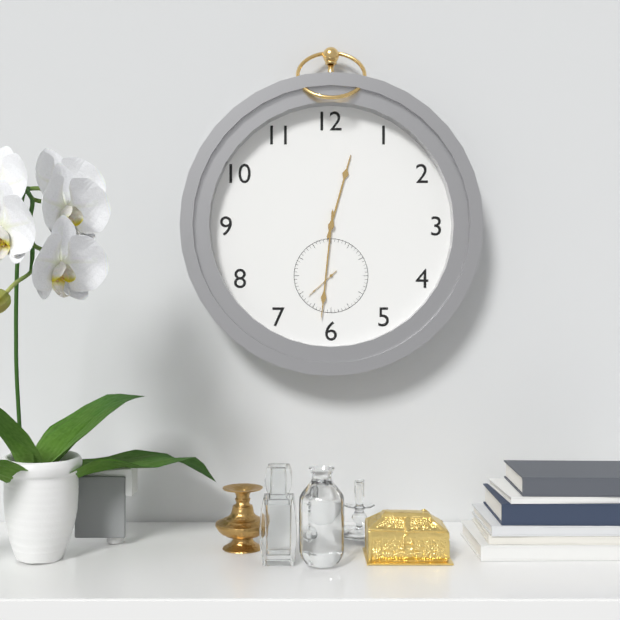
12:31
